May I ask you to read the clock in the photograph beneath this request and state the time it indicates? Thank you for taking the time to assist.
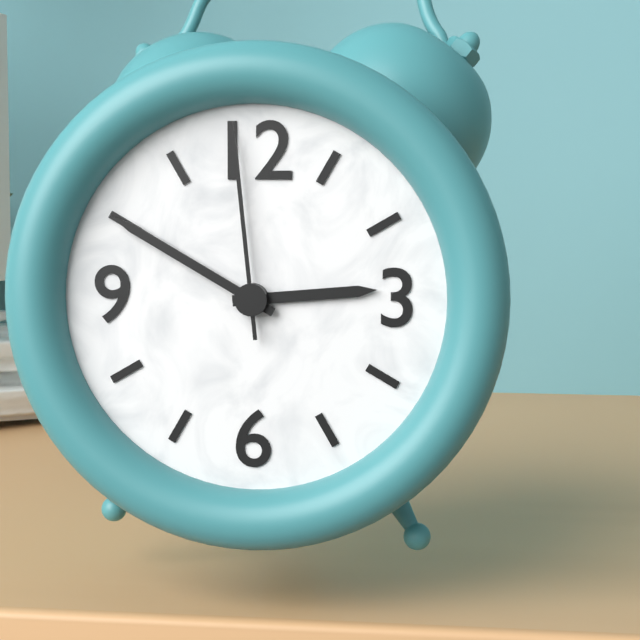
2:50:59
